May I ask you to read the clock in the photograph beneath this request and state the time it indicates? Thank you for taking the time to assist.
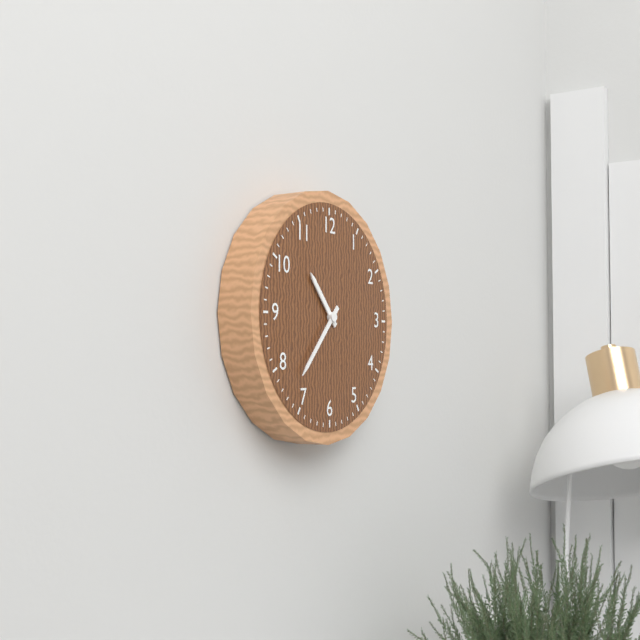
10:37
